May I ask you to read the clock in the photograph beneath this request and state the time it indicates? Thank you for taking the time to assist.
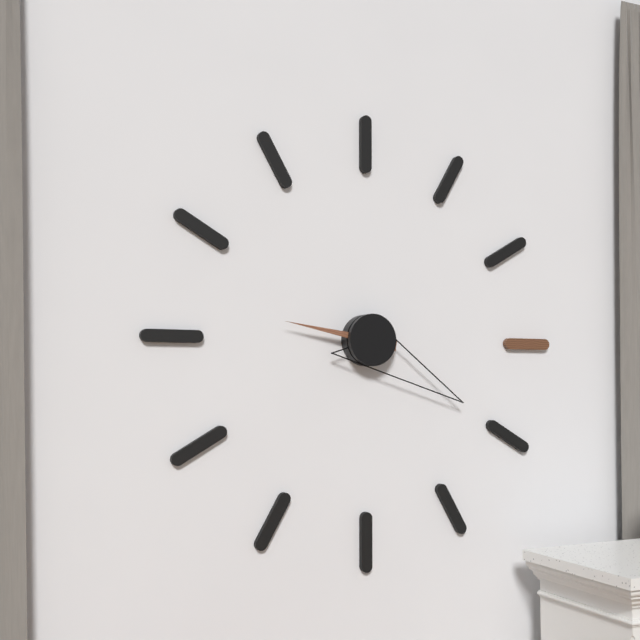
9:20
